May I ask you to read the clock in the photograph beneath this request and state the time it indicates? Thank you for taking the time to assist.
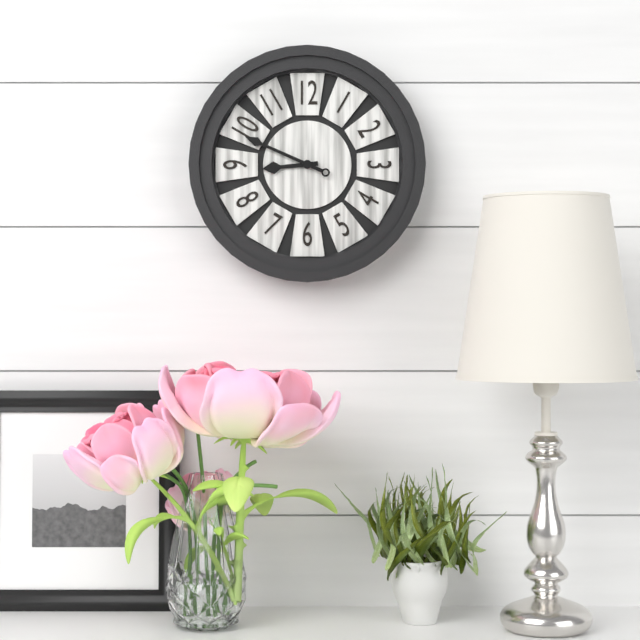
8:49
